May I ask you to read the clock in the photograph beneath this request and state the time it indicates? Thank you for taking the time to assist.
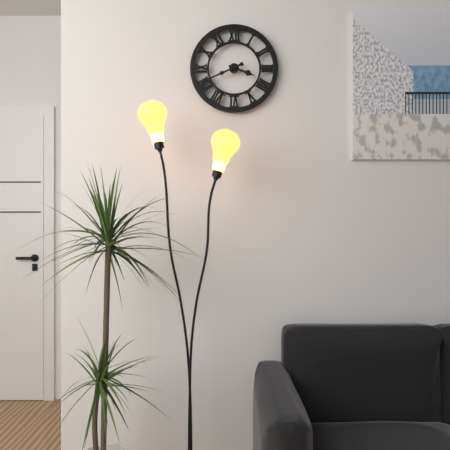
3:41
